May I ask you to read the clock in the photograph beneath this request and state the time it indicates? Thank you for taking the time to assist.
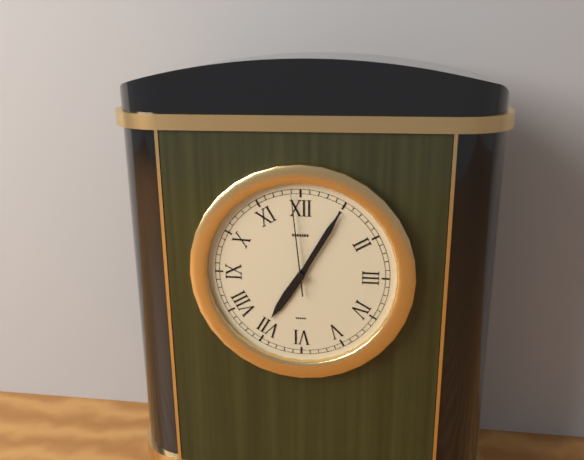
7:05:59
